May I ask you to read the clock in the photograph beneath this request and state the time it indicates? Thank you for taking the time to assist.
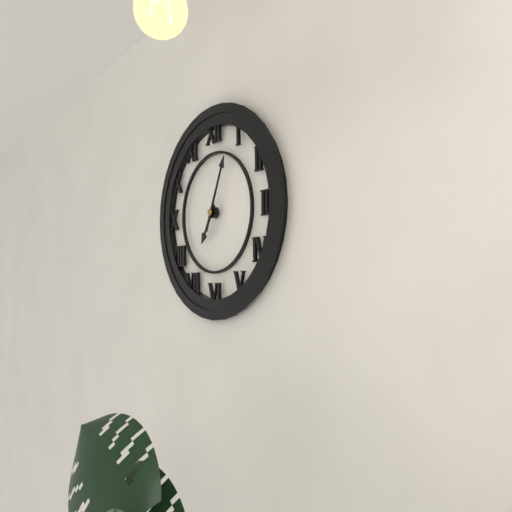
7:04
